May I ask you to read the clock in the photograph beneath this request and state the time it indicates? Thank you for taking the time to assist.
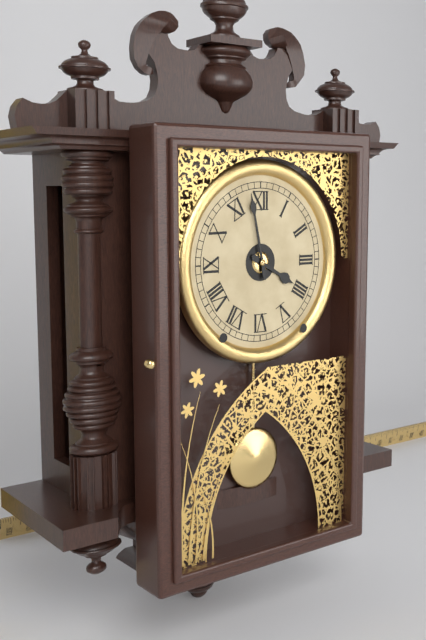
3:58
